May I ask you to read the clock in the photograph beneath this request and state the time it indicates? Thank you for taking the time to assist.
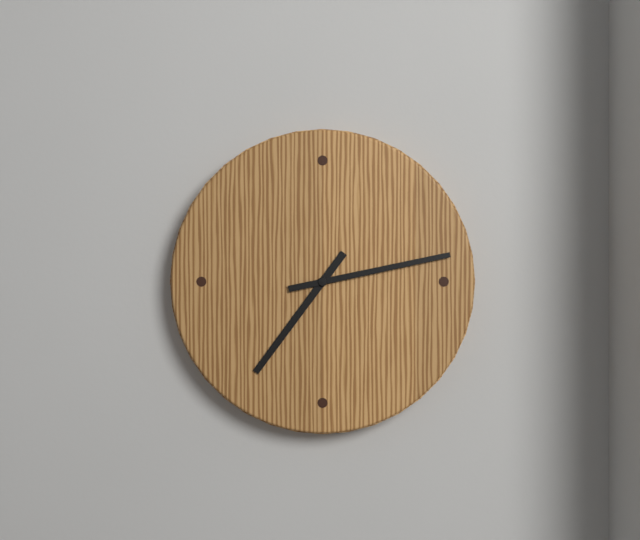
7:13
